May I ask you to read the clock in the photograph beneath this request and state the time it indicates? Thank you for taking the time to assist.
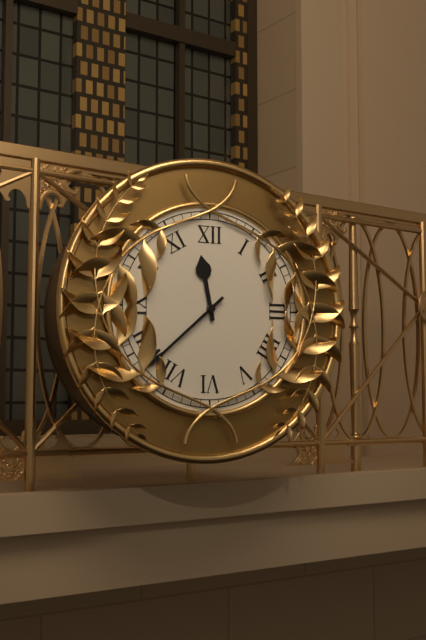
11:38
